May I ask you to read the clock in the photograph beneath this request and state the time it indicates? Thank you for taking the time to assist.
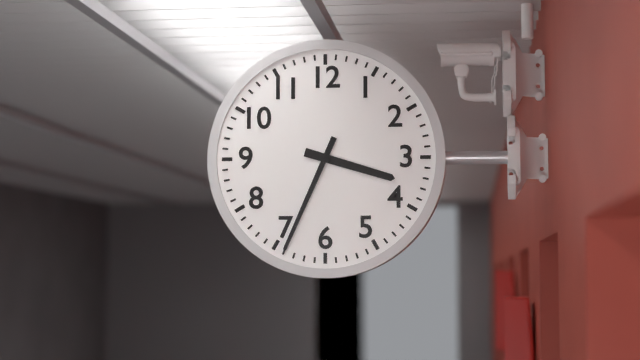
3:34
